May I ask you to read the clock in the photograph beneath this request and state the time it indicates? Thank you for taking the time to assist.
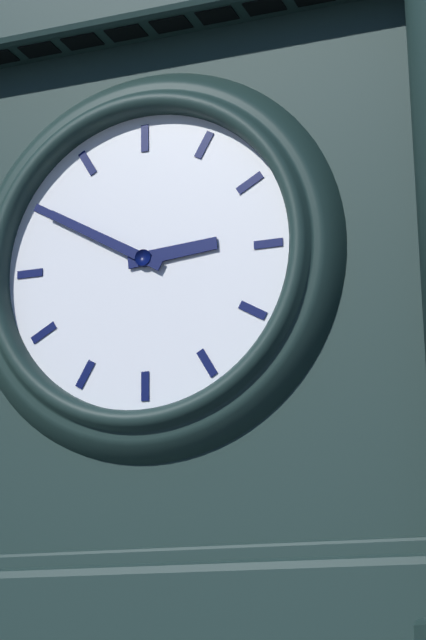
2:50
